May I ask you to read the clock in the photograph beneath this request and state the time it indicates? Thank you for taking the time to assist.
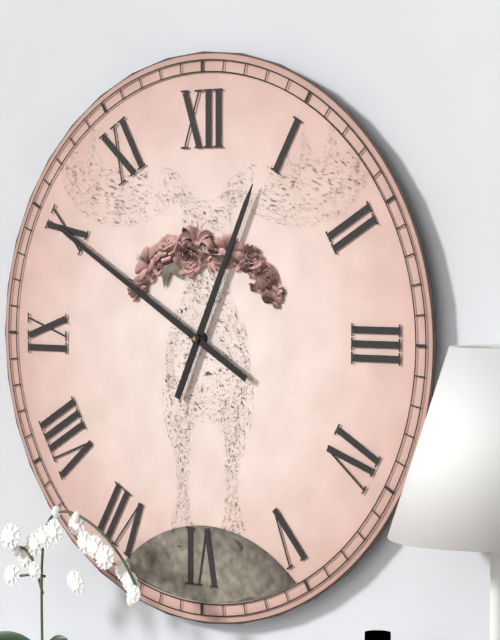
12:50
